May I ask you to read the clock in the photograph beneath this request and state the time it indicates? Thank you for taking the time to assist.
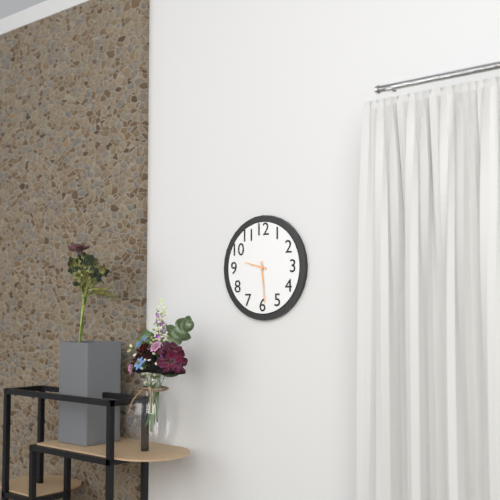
9:29
